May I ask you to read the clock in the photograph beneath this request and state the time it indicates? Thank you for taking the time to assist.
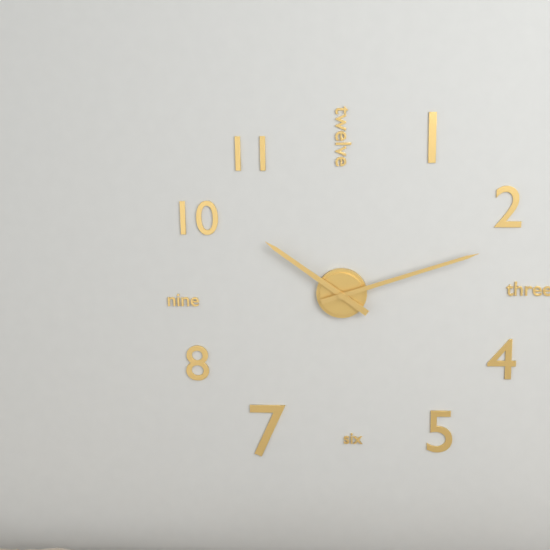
10:12
